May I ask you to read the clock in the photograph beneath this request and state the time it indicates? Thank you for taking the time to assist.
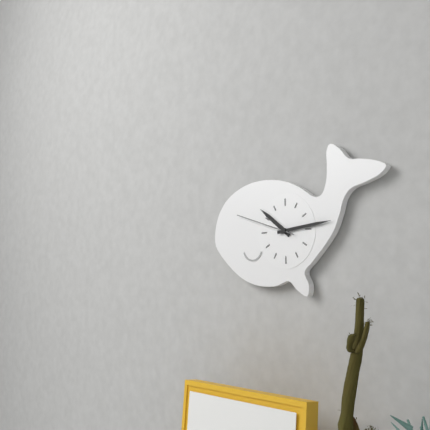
10:14
